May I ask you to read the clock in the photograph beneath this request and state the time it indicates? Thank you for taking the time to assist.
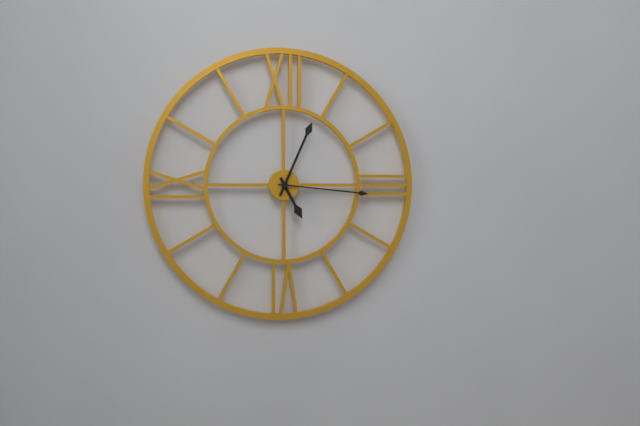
5:04:16
